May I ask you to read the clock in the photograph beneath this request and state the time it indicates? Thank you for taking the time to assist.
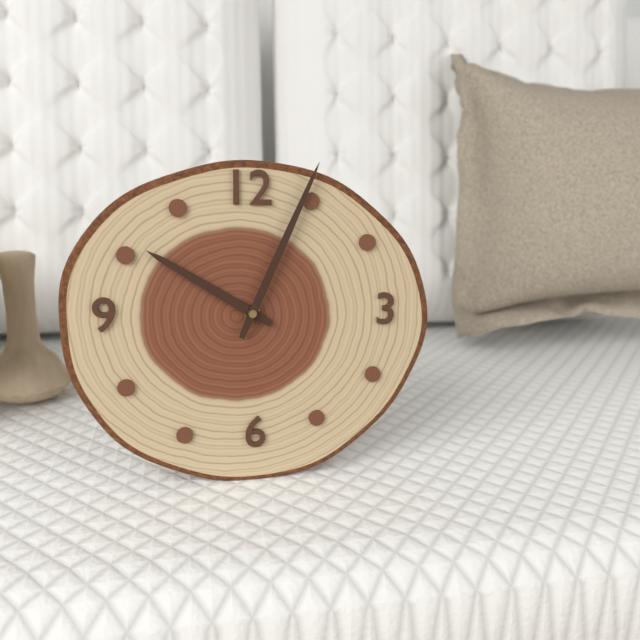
10:04
